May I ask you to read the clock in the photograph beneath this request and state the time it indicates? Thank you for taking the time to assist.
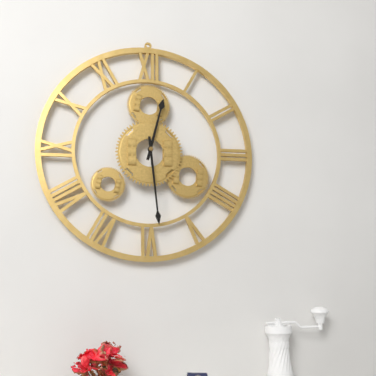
12:29
